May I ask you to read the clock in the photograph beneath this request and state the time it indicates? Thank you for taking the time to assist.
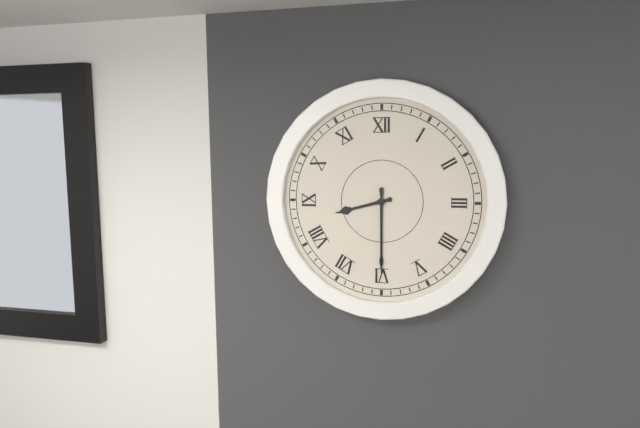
8:30
